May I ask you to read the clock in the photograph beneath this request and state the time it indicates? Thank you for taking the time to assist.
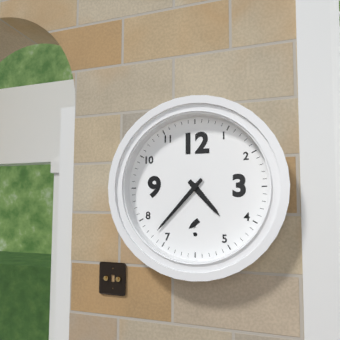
4:37
